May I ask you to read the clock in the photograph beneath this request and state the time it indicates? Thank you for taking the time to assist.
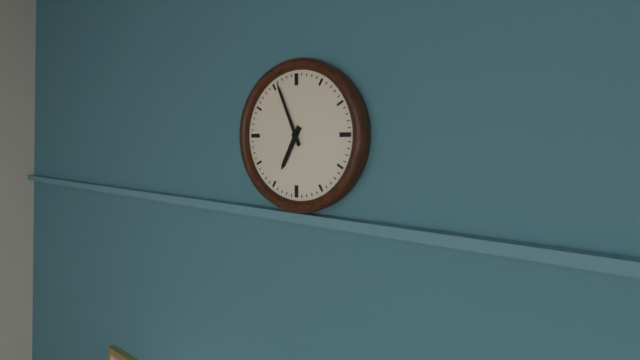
6:56
